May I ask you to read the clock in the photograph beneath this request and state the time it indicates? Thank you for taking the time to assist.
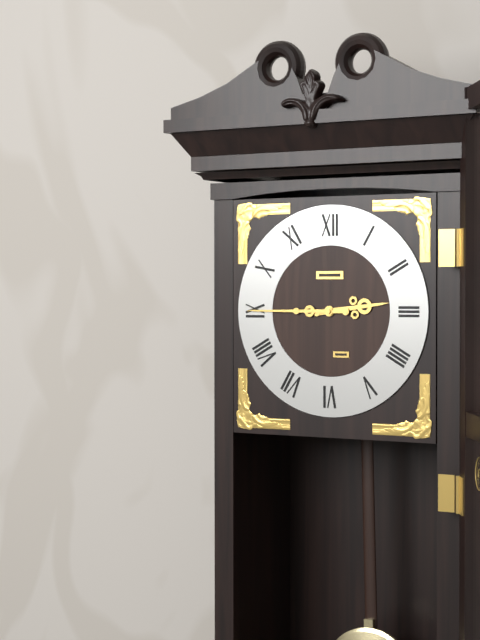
2:45
